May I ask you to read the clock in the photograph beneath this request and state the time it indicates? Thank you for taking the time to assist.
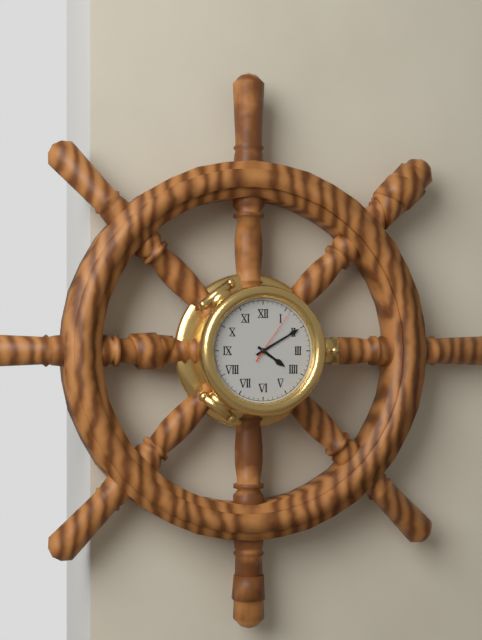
4:10:06
